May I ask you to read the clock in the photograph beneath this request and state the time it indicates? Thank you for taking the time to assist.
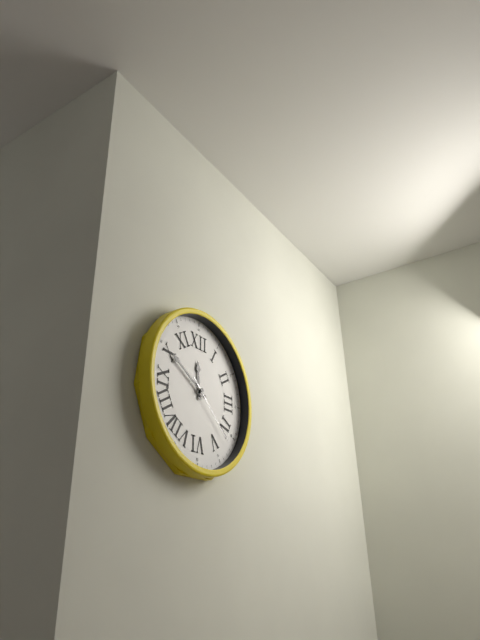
11:50:22
